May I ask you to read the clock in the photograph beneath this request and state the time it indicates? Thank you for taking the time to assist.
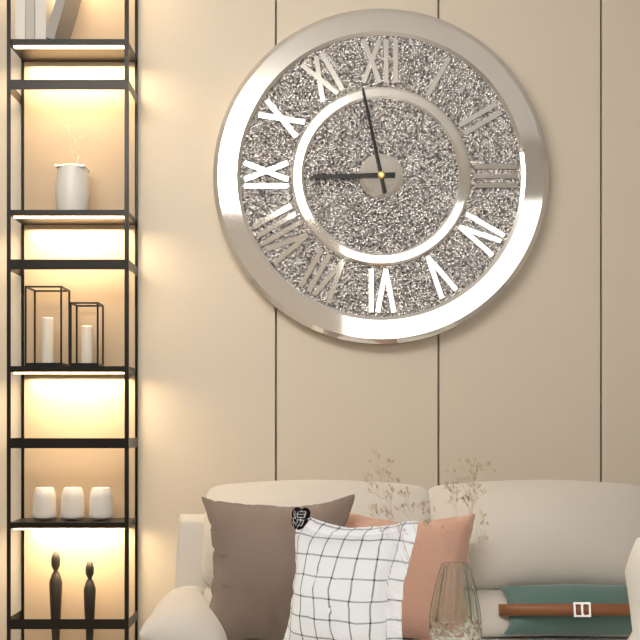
8:58
